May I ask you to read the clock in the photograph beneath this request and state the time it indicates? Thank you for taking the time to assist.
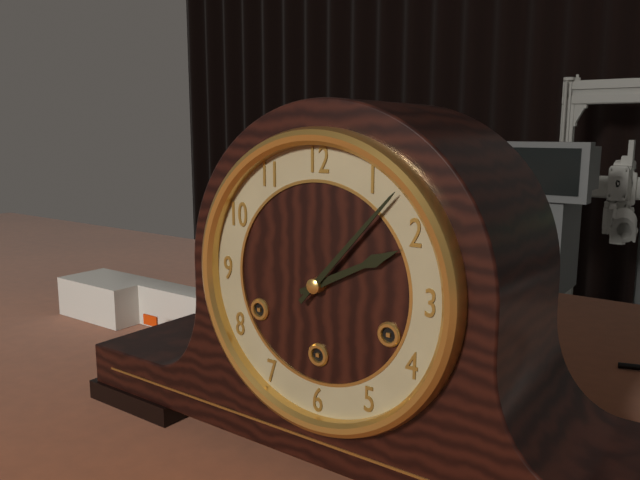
2:07
